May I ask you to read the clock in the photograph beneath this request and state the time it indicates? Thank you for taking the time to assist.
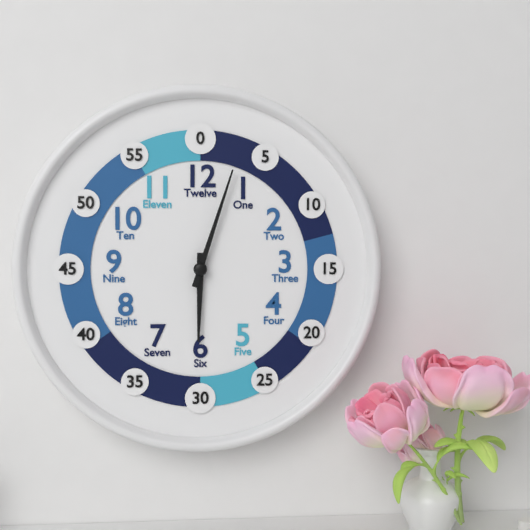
6:03
